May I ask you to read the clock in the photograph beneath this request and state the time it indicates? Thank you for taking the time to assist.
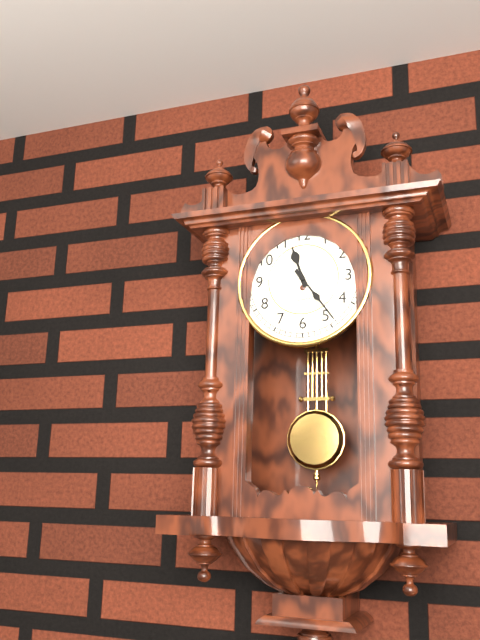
11:24
